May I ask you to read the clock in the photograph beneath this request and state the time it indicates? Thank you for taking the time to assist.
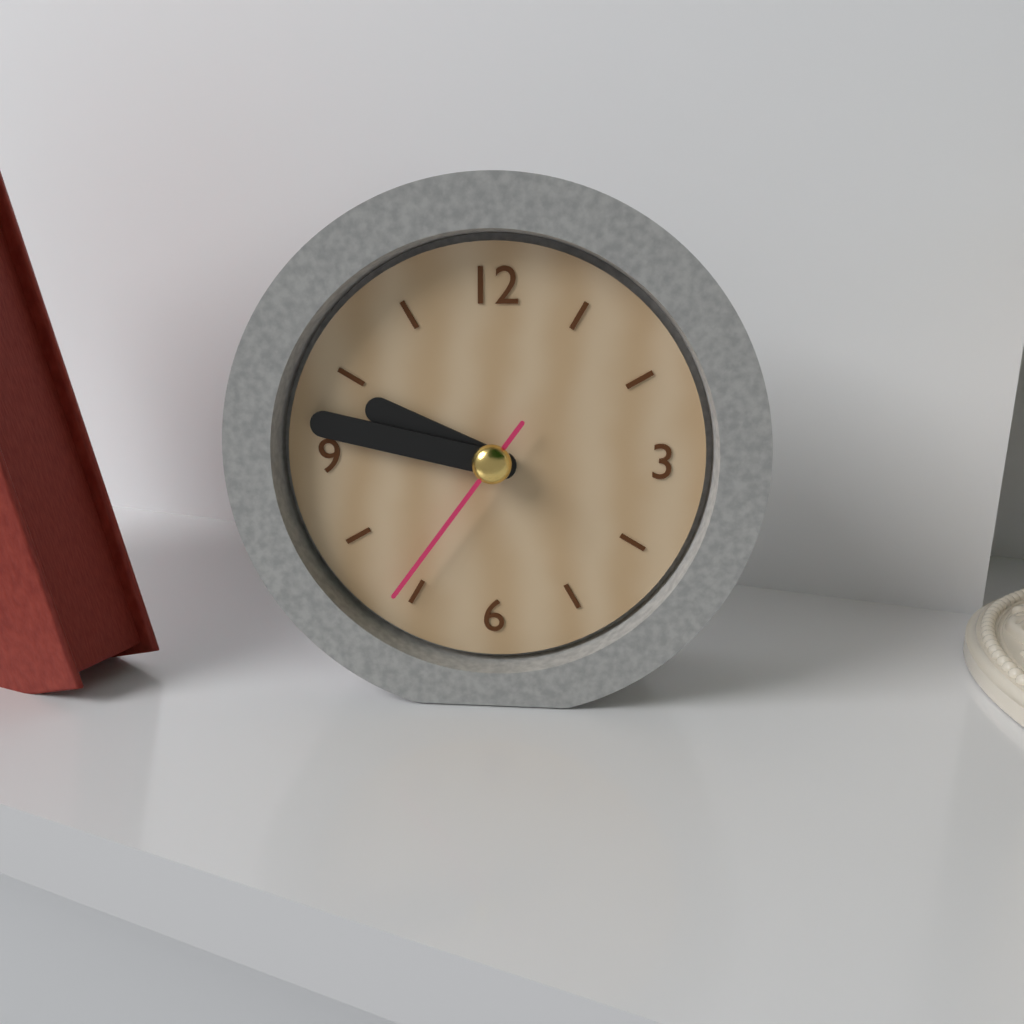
9:47:36
